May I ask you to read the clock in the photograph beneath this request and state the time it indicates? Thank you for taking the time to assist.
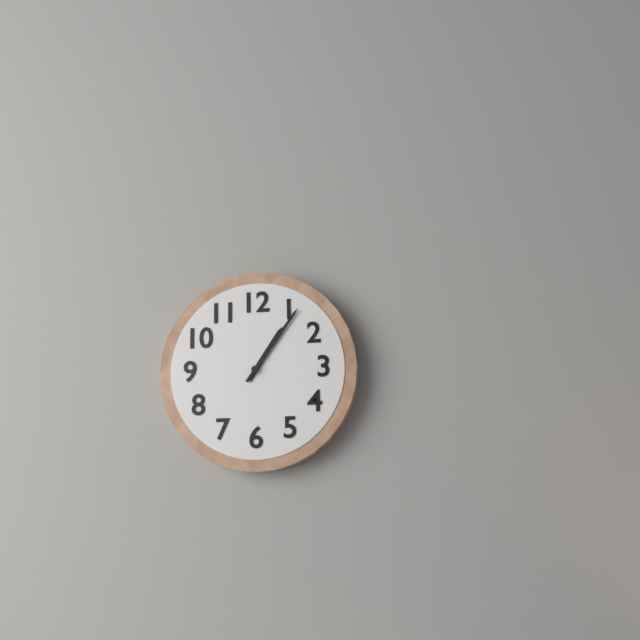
1:06
